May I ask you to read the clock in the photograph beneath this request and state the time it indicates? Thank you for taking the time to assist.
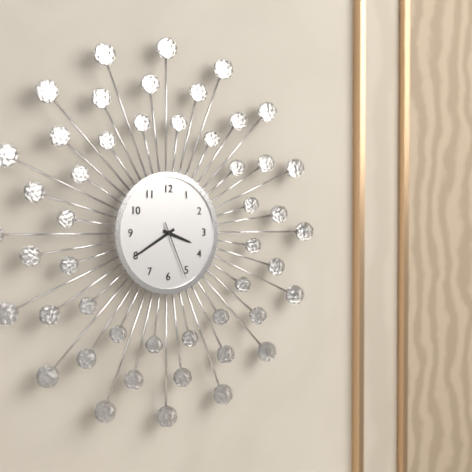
3:40:26
